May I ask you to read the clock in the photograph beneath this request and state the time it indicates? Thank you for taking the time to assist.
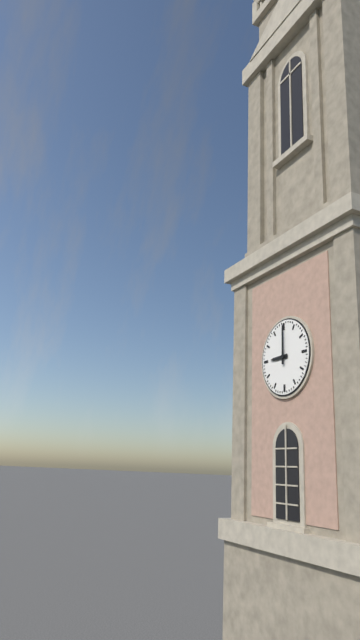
9:00
